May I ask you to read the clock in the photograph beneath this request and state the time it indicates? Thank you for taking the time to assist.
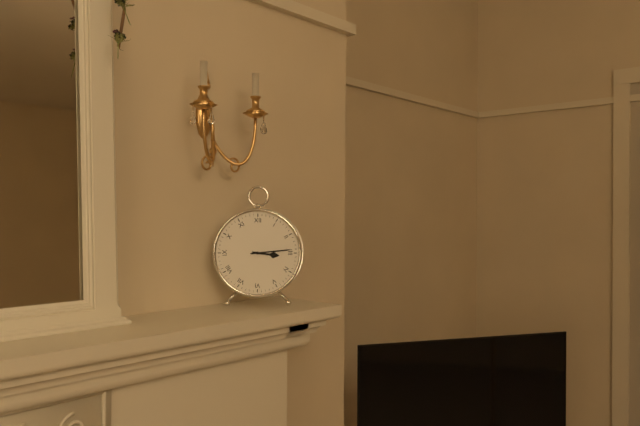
3:14
